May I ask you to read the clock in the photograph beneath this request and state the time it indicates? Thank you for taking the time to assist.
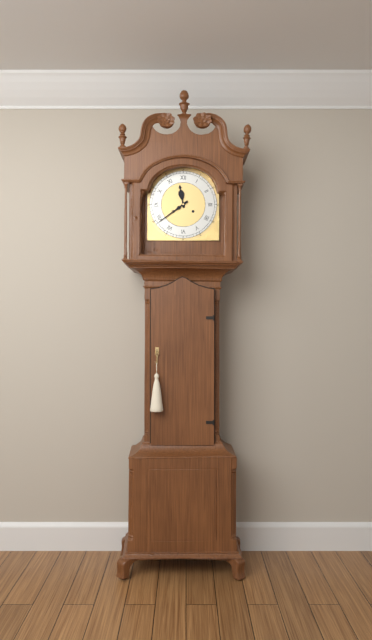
11:39
